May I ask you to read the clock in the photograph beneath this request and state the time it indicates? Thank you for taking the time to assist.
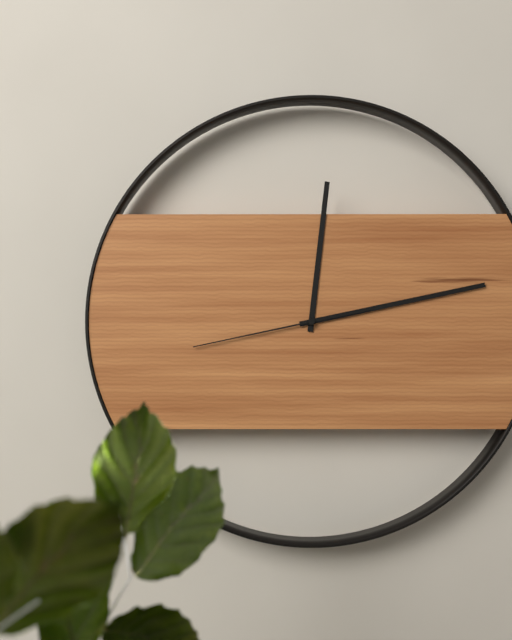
12:13:43
